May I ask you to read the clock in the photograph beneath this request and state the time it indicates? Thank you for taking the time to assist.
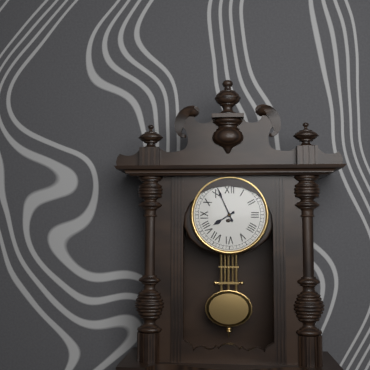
7:56
